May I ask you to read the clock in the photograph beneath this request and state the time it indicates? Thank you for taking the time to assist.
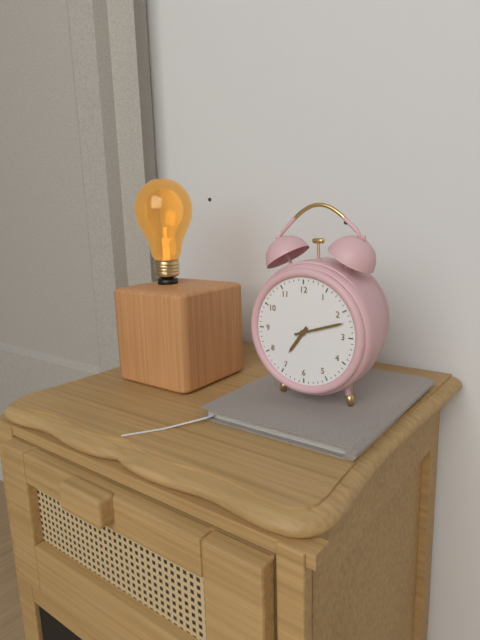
7:12
